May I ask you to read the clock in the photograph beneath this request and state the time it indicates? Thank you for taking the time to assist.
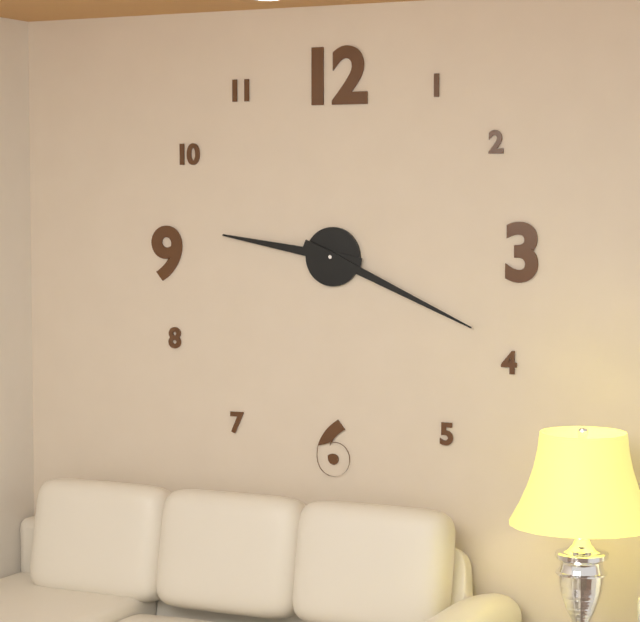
9:19
